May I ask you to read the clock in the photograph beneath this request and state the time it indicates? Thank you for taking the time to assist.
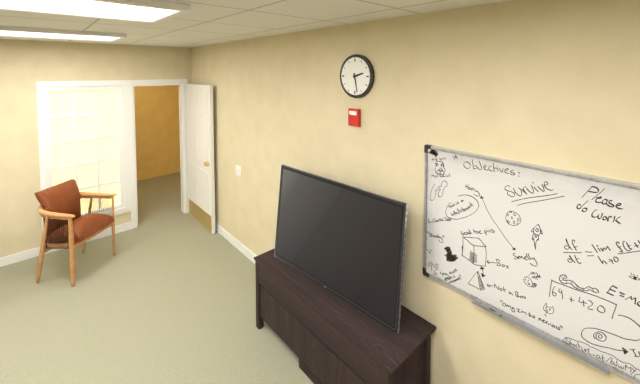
2:28
